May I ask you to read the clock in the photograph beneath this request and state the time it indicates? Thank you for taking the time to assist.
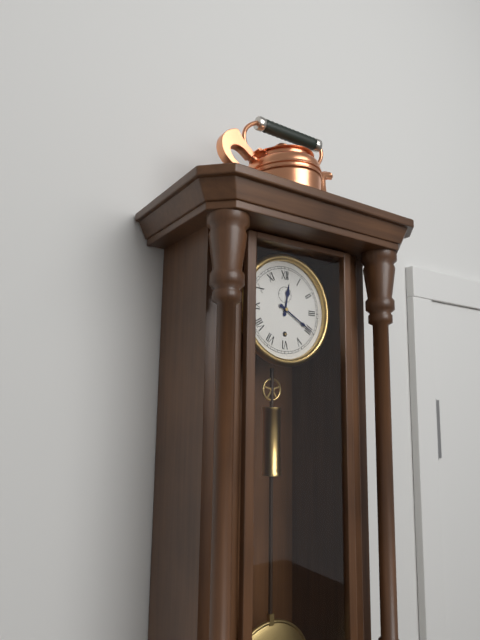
12:20
